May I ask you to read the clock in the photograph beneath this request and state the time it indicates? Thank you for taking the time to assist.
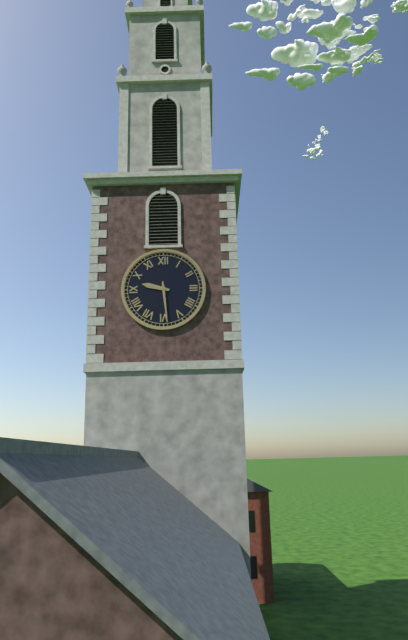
9:29
